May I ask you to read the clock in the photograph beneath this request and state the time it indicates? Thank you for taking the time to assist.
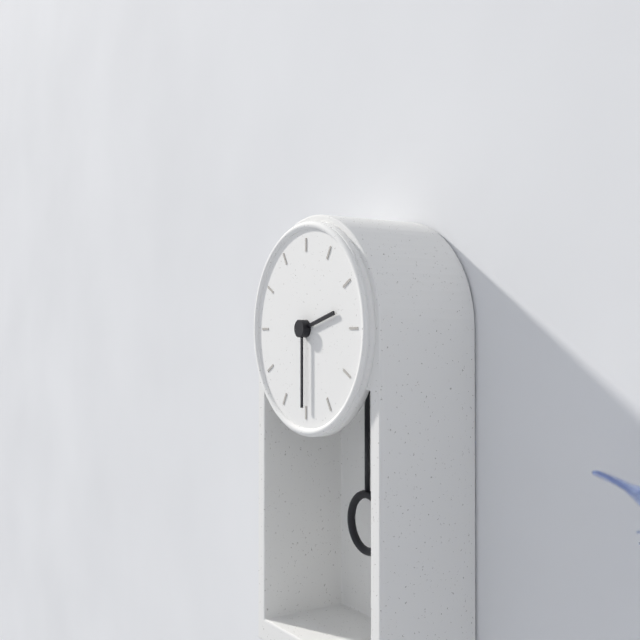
2:30
